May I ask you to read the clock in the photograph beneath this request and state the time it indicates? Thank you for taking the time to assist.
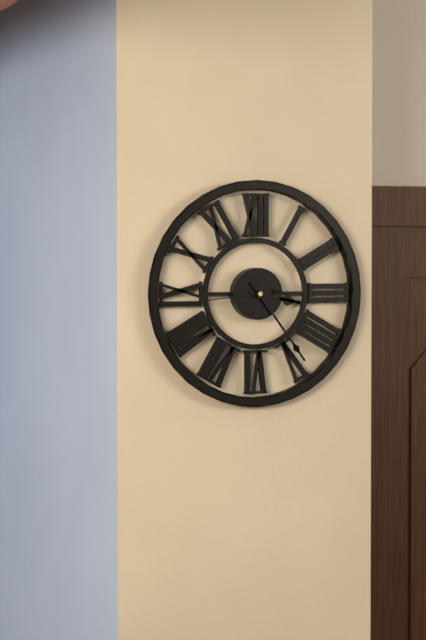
3:24:44
